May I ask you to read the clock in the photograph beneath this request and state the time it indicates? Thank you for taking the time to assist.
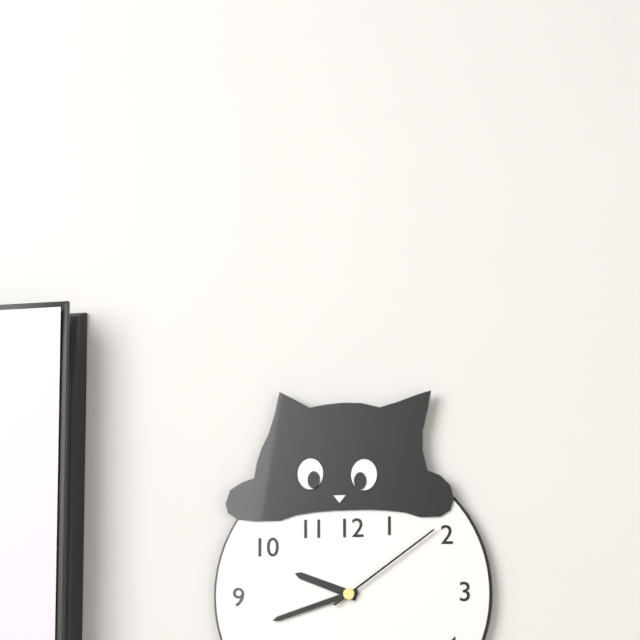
9:42:09
